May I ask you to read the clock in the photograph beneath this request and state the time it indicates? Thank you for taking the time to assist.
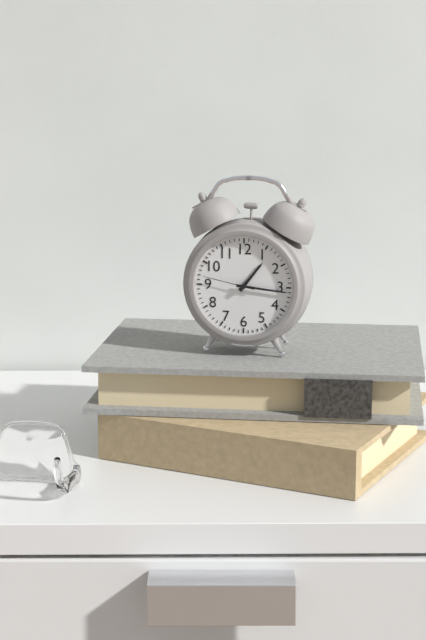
1:16:47
